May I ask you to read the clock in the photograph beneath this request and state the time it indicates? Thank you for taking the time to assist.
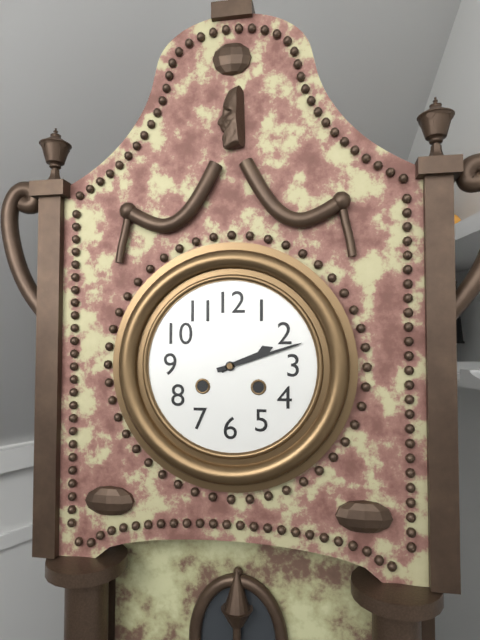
2:12
